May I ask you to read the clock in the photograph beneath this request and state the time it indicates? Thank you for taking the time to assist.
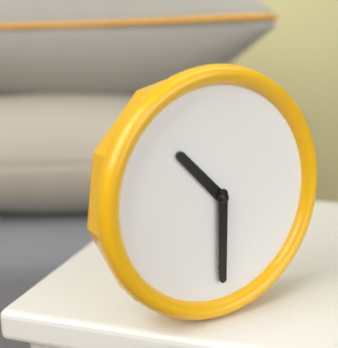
10:30
